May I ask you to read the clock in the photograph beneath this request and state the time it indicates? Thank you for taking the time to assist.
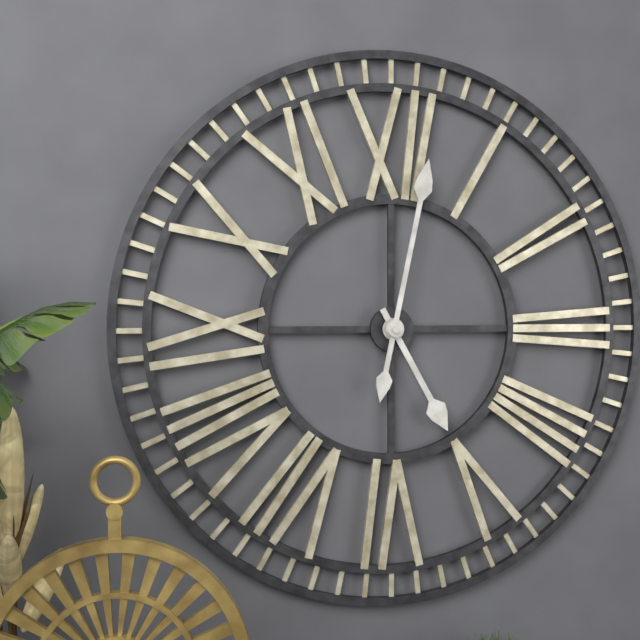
5:02
